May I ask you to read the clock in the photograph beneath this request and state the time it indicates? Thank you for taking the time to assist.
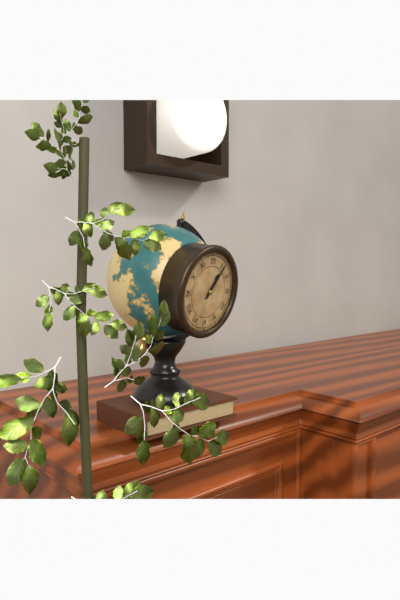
1:06
